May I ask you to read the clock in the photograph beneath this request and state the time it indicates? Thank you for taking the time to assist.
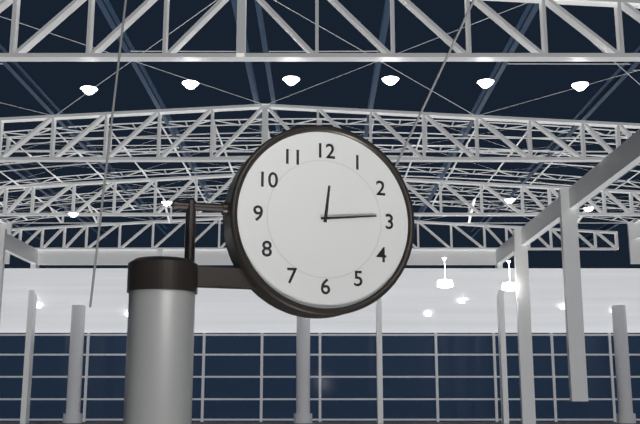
12:14
